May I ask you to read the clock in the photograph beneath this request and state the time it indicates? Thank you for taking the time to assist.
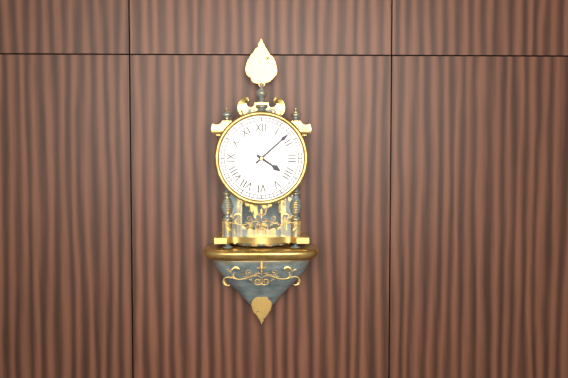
4:08
